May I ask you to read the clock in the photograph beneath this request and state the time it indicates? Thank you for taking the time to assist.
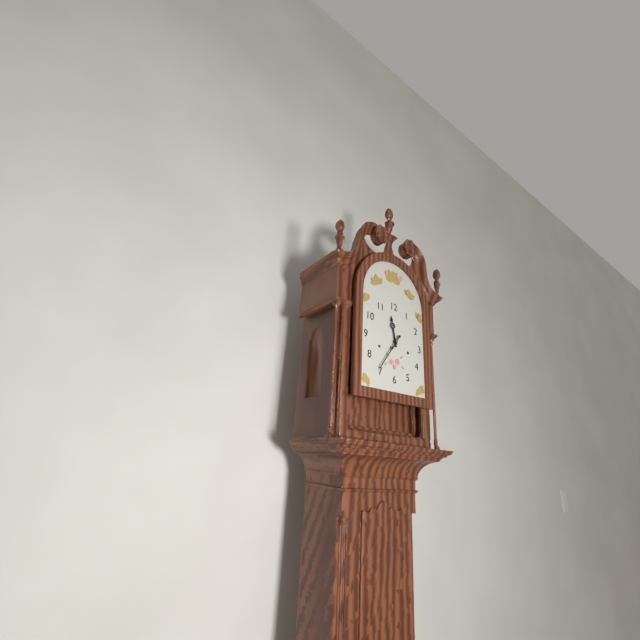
11:36
